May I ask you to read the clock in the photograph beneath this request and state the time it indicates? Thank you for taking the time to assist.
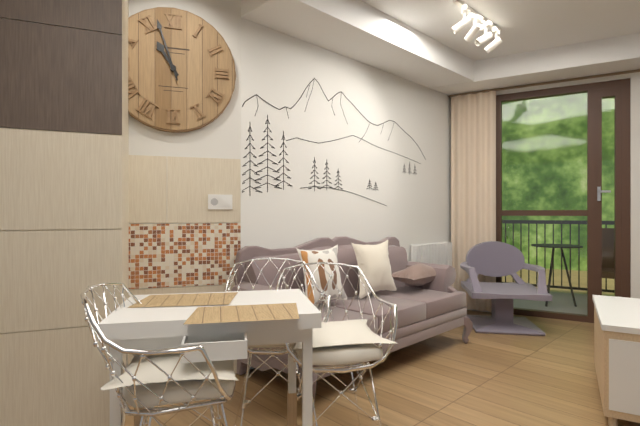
10:57
